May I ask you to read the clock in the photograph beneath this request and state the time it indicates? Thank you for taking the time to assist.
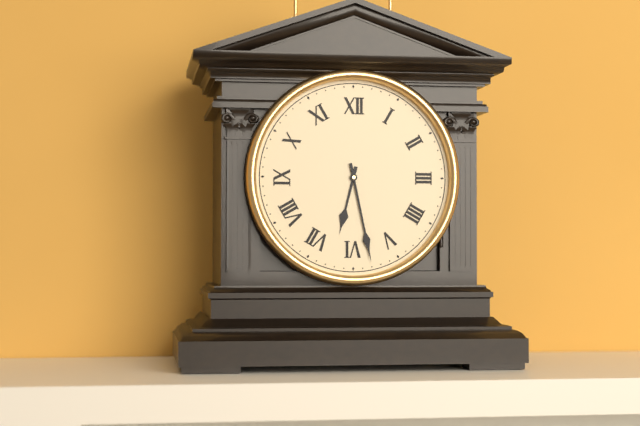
6:28
